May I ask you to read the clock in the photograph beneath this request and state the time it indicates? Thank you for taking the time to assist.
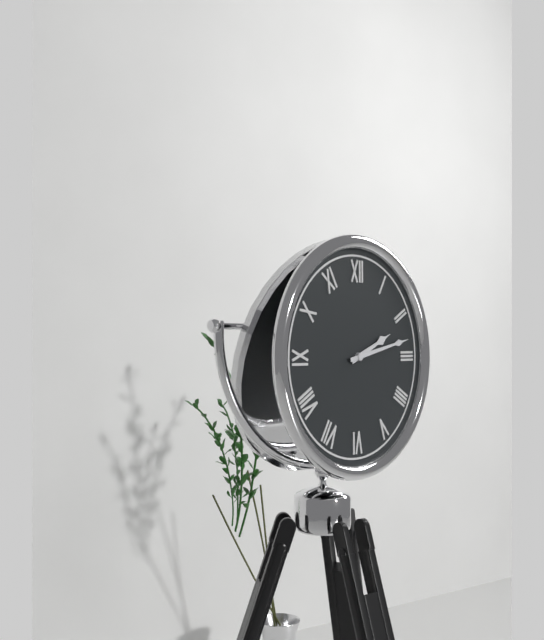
2:13
